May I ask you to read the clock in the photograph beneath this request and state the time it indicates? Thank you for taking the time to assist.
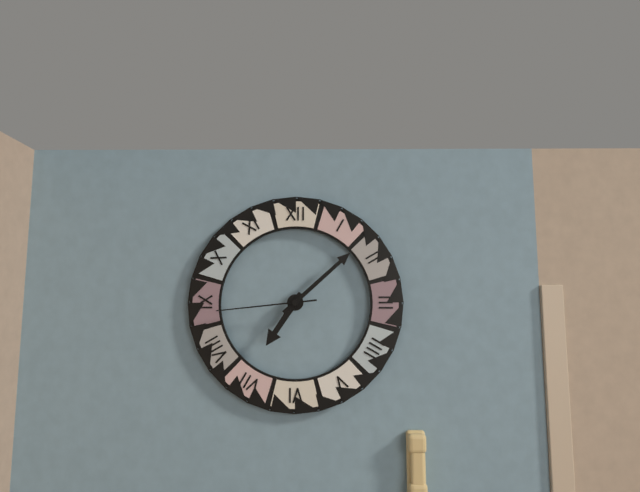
7:08:44
